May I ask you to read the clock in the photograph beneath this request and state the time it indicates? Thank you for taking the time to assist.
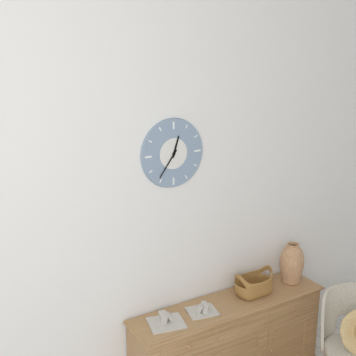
12:36
